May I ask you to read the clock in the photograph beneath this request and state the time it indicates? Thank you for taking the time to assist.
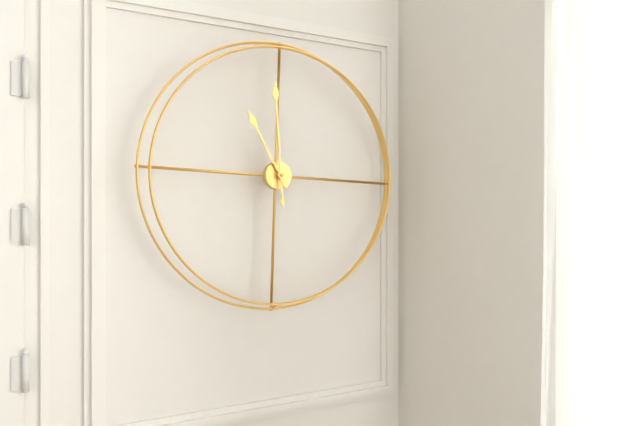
10:59
